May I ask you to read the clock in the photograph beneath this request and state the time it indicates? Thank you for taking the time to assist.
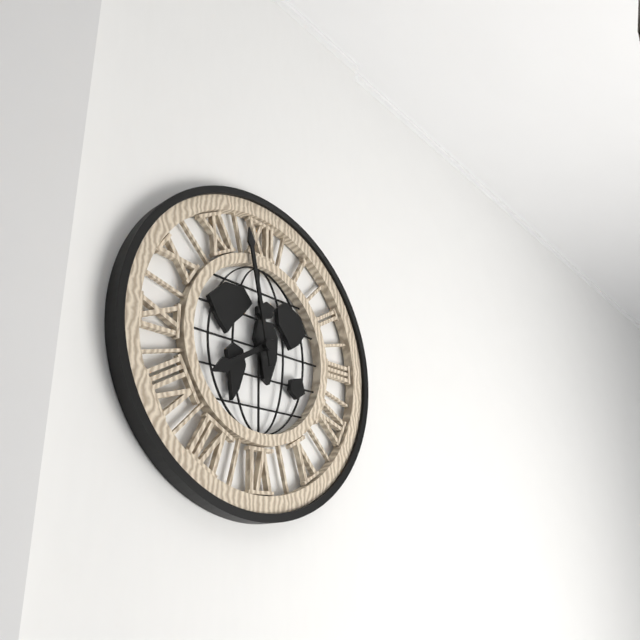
7:58
